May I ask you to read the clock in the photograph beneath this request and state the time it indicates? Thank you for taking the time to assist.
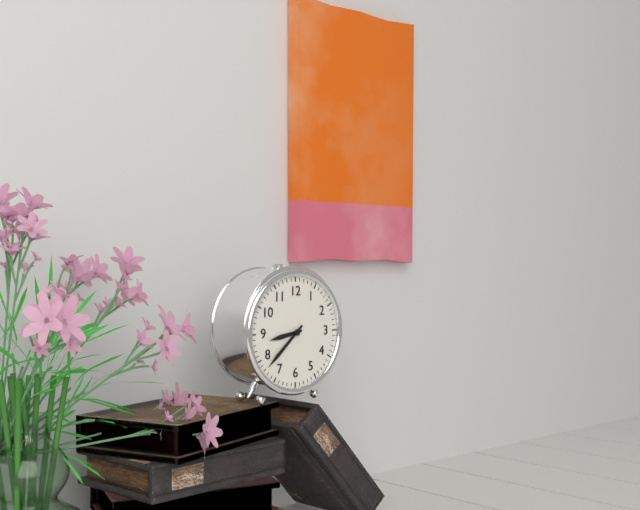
8:38
